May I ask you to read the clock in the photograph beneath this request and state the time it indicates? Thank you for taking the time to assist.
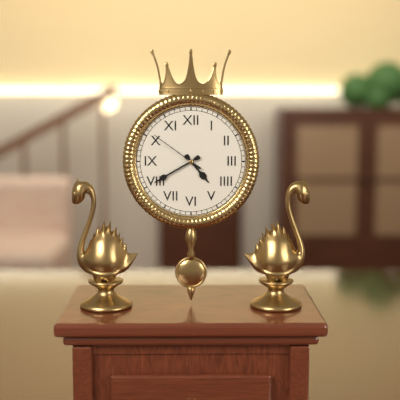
4:40:51
